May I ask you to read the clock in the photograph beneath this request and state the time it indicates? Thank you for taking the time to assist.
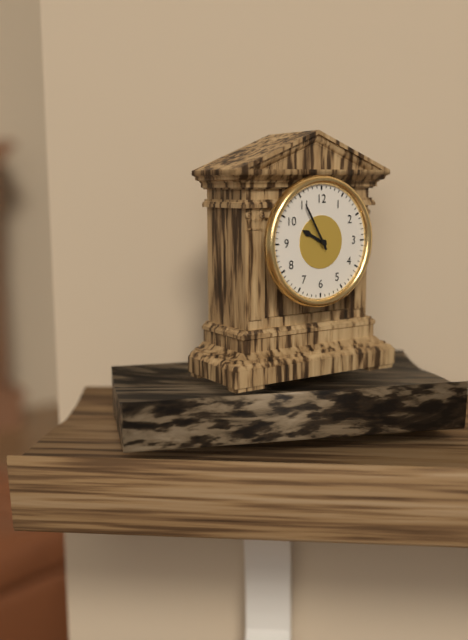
9:55
